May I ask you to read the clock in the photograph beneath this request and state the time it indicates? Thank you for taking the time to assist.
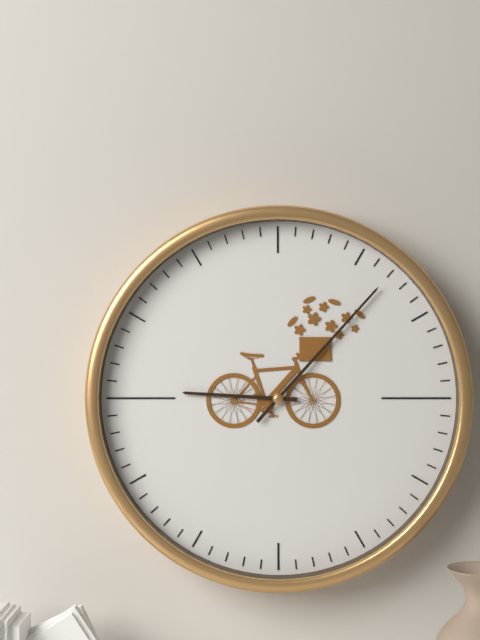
9:07
